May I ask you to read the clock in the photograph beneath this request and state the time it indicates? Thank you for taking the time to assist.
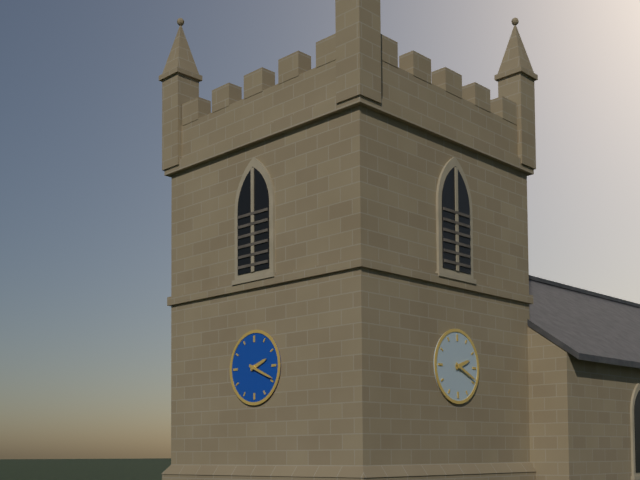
2:19
